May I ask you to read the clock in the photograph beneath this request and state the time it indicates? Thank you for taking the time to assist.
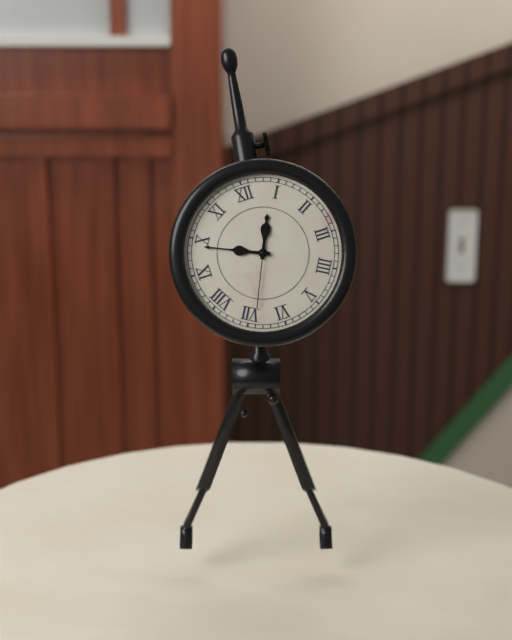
12:49:34
